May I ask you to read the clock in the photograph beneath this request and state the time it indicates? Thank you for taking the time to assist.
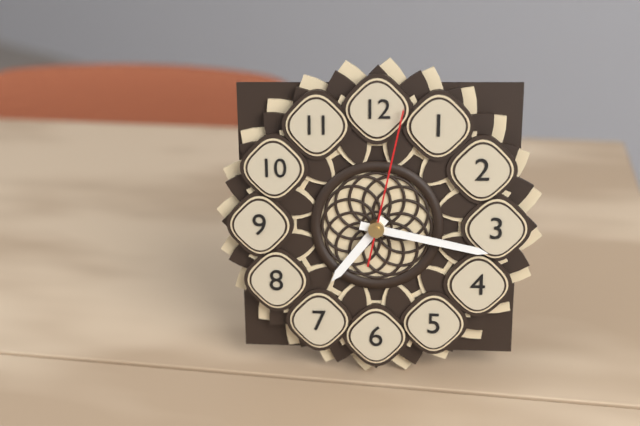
7:17:02
